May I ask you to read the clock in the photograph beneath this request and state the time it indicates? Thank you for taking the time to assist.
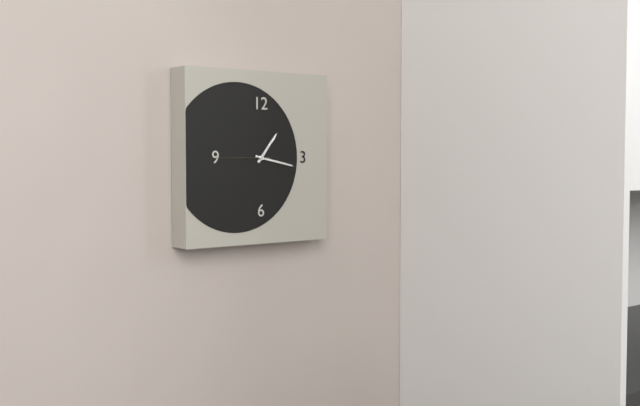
1:17:45
